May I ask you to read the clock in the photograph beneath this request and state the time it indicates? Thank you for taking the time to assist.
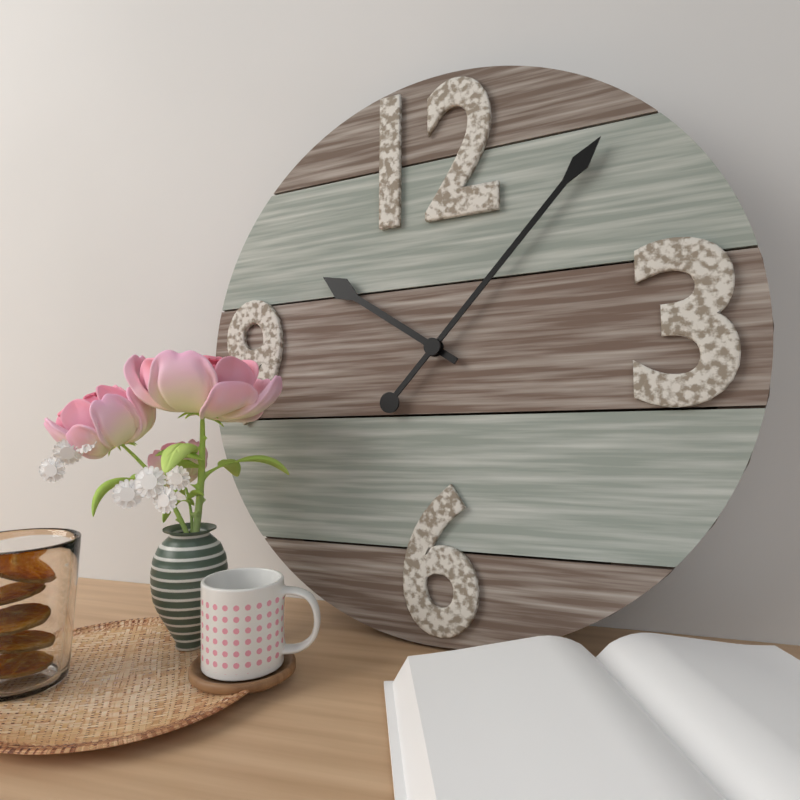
10:07
